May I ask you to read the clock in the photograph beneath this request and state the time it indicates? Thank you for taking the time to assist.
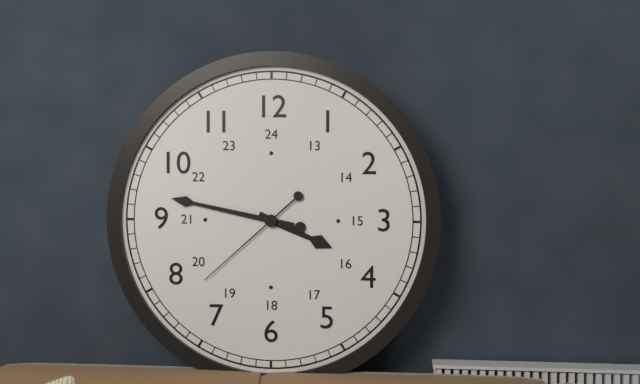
3:47:38
